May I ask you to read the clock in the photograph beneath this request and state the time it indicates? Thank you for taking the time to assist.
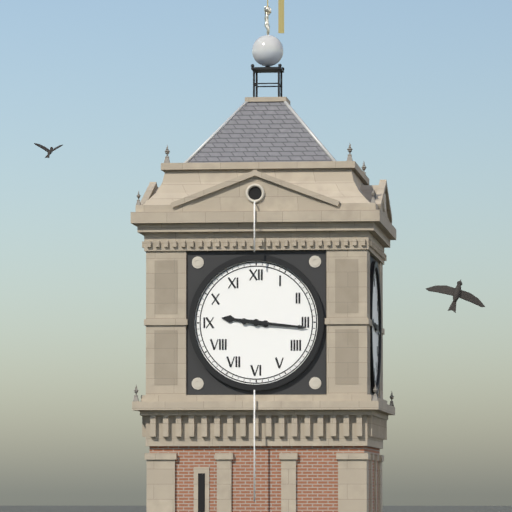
9:16
